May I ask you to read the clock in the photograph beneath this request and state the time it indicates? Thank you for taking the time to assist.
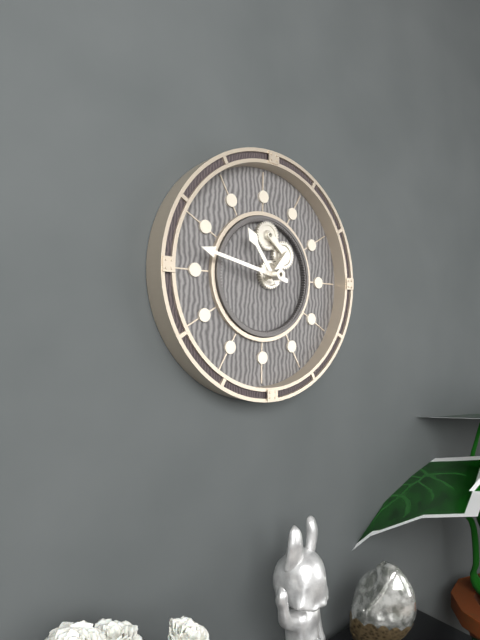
10:47
